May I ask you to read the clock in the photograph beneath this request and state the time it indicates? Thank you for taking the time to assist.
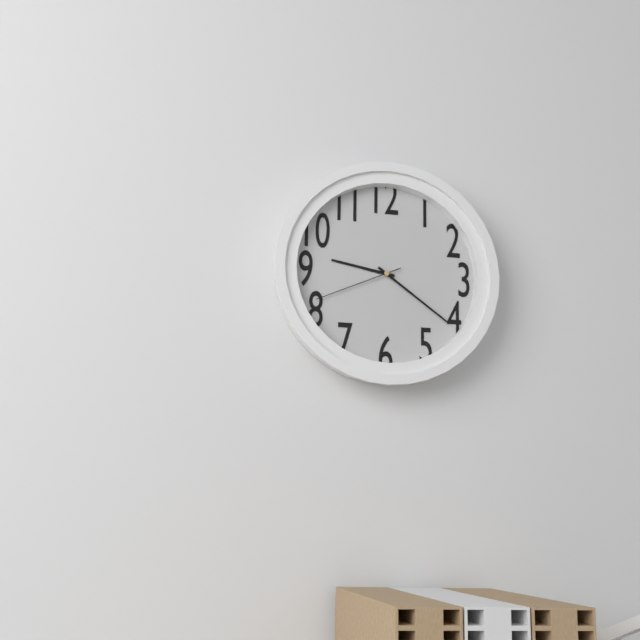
9:21:41
